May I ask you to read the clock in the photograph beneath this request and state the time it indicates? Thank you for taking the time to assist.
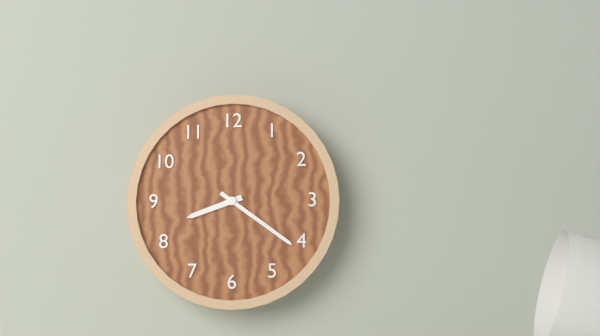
8:21
